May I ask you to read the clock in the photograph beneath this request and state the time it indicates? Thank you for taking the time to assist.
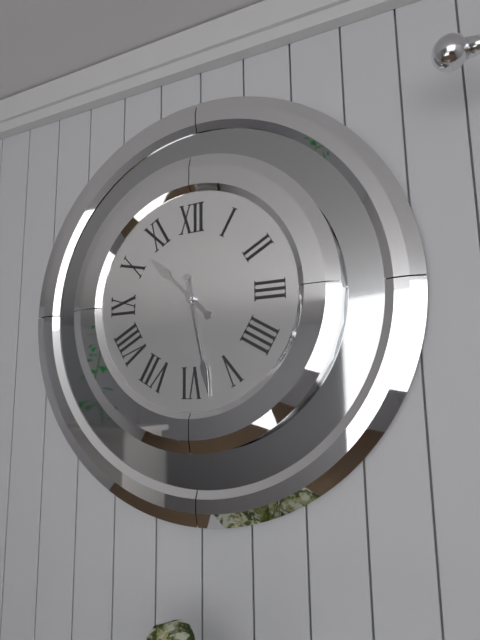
10:28
